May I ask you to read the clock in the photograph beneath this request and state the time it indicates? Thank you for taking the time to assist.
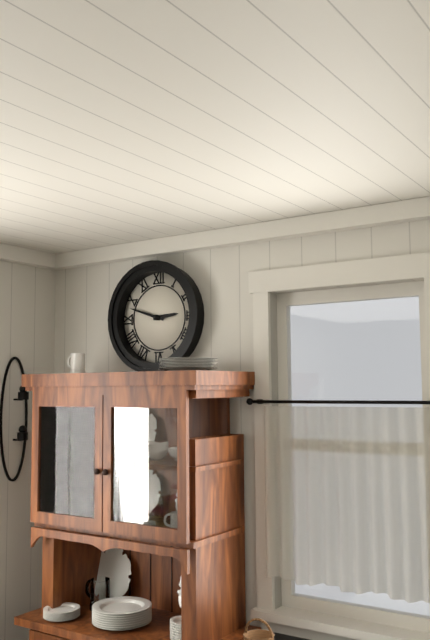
2:48
